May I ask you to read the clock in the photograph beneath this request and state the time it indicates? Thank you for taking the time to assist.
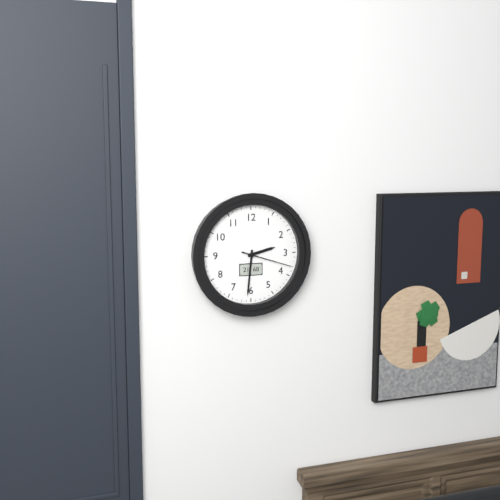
2:31:18
